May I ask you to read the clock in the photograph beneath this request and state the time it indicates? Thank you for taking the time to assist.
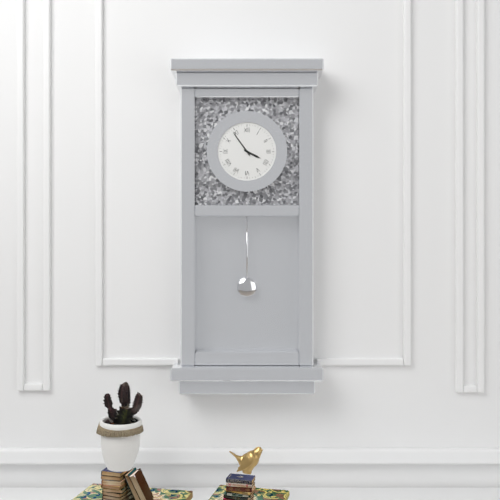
3:54
